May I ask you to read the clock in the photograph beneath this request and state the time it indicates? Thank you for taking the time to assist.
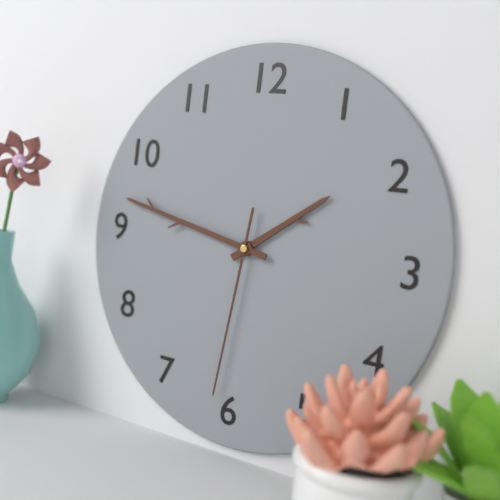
1:47:31
